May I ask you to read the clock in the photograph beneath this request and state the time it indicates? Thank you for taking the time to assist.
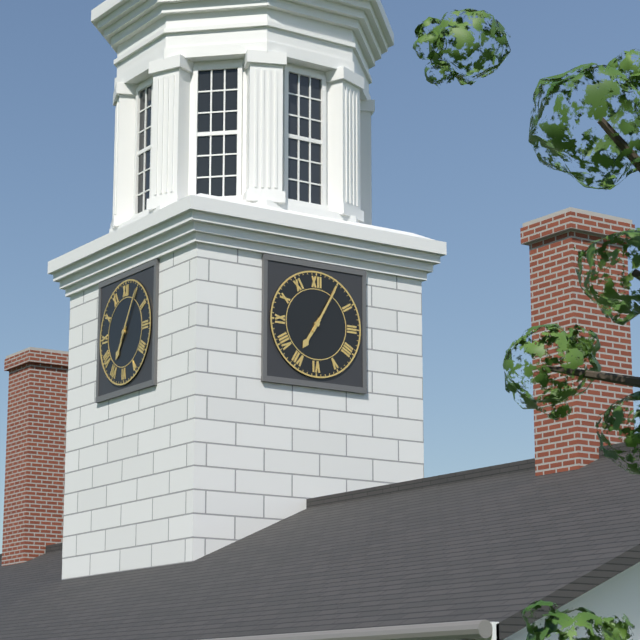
7:05
